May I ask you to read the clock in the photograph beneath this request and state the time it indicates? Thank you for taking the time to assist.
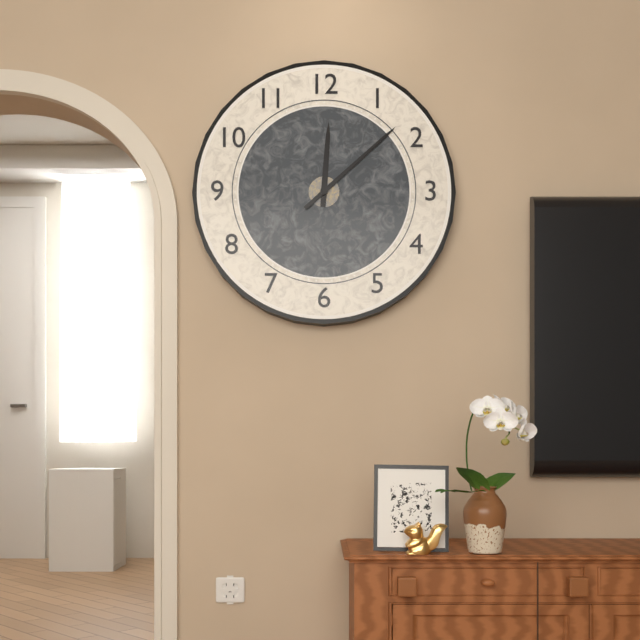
12:08
